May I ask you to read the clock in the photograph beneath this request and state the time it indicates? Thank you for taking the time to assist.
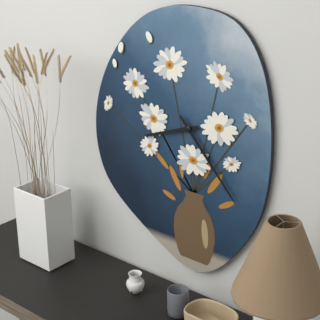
8:23
